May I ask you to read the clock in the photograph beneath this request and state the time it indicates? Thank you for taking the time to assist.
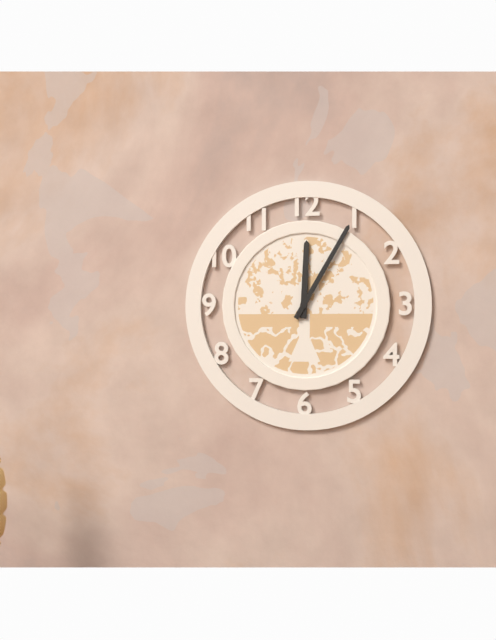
12:05
